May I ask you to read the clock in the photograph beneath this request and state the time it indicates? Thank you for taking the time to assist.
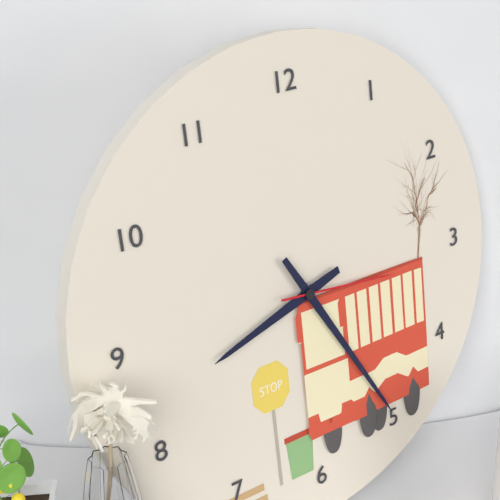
8:25:16
